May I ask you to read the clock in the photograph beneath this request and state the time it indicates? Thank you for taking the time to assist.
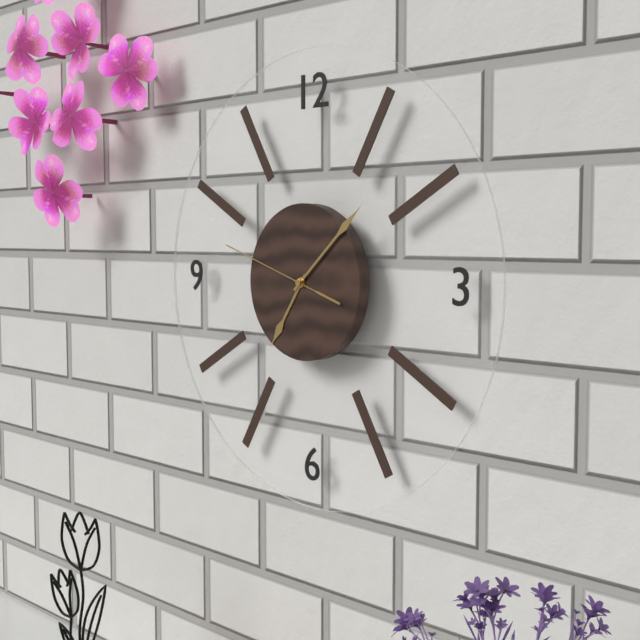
7:08:48
